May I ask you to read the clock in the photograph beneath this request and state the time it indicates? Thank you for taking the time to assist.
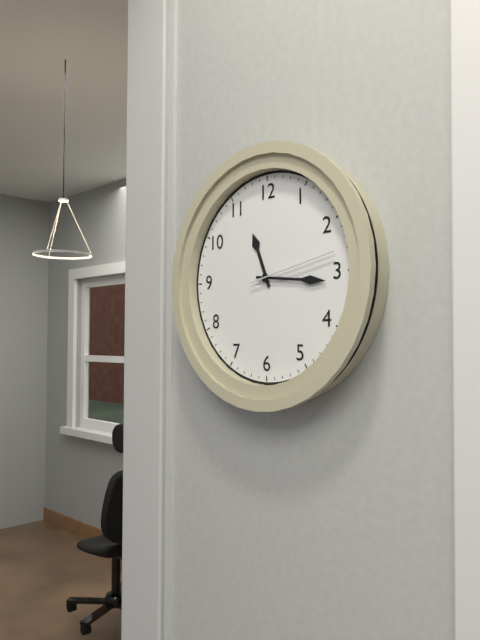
11:16:13
